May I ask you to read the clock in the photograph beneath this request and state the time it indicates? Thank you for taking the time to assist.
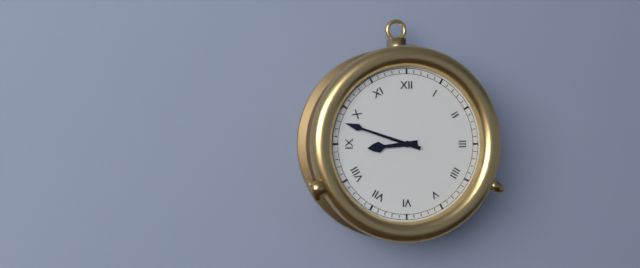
8:48
